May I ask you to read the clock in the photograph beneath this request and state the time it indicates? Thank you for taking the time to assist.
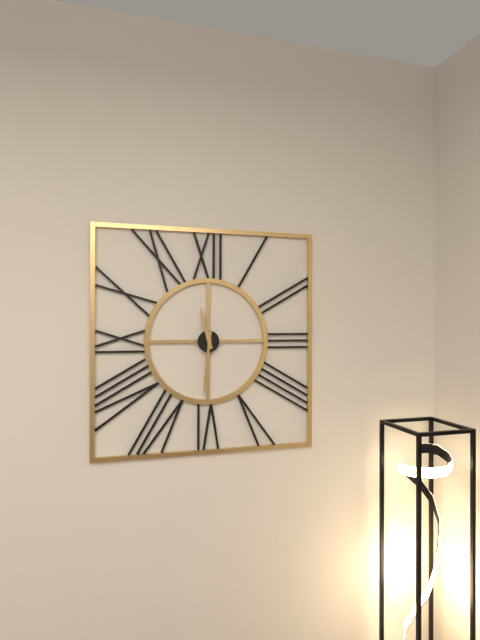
11:31
